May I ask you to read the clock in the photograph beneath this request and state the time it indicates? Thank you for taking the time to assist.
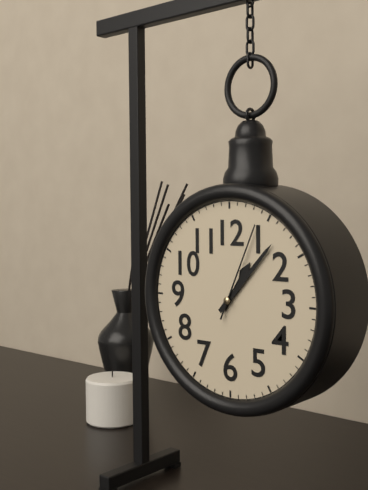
1:07:04
